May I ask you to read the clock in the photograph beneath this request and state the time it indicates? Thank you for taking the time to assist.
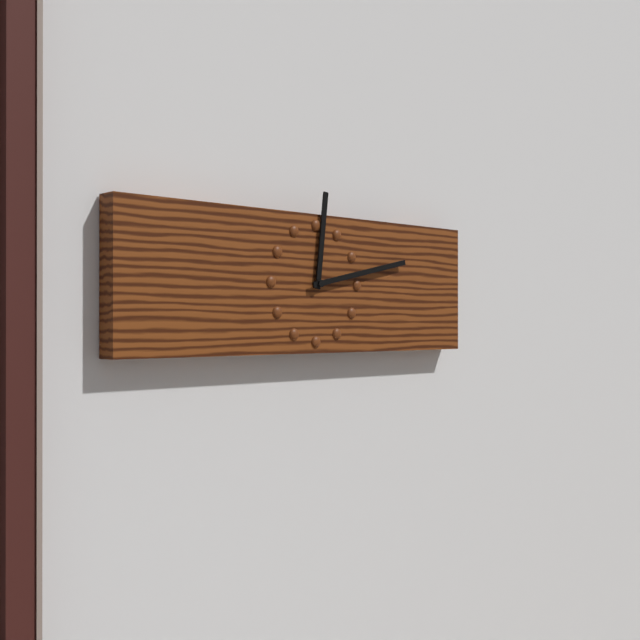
12:13
